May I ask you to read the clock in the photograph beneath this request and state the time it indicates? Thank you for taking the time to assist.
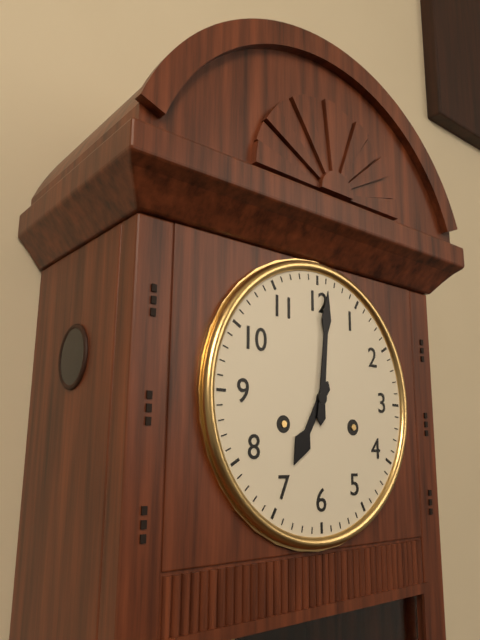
7:01
